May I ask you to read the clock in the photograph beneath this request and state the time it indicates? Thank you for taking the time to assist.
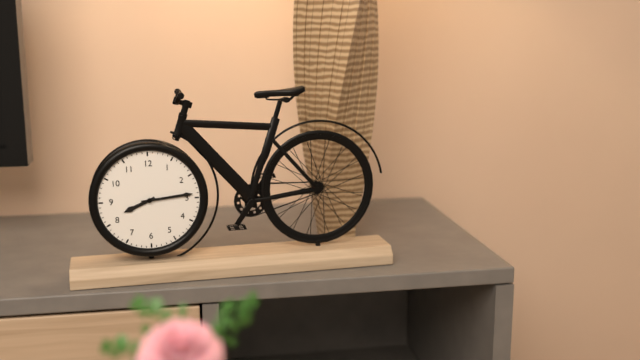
8:14
